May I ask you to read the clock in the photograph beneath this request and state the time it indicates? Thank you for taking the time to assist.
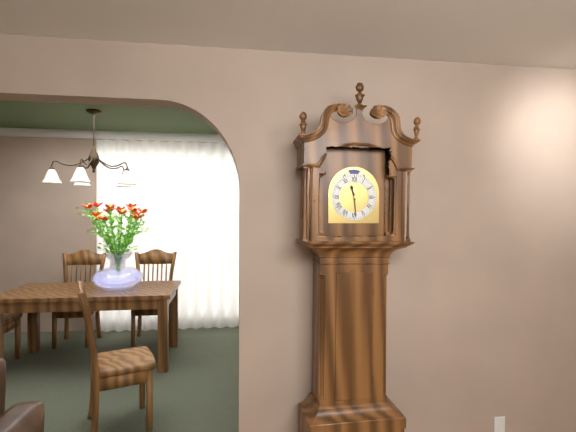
11:29
